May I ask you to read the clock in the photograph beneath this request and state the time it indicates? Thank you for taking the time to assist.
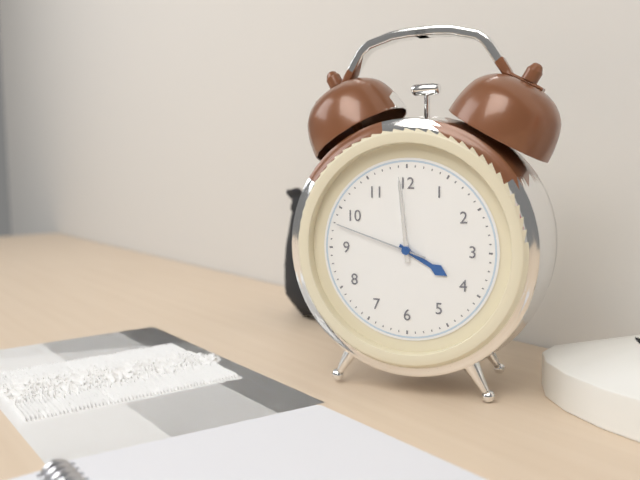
3:59:48
